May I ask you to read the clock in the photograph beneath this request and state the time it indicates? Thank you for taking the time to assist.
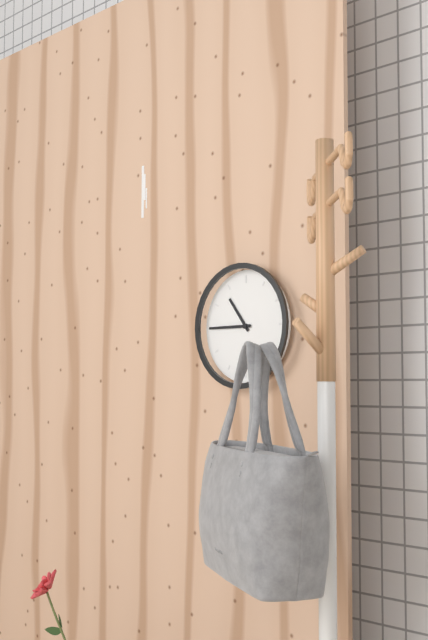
10:45
